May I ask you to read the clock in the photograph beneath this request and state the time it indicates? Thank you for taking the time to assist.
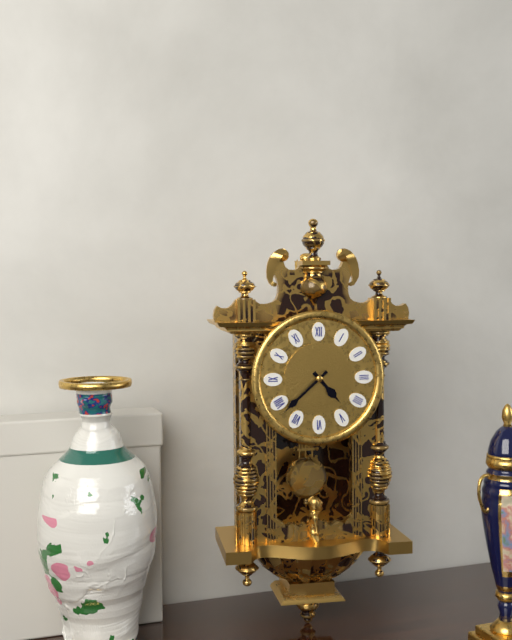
4:38
